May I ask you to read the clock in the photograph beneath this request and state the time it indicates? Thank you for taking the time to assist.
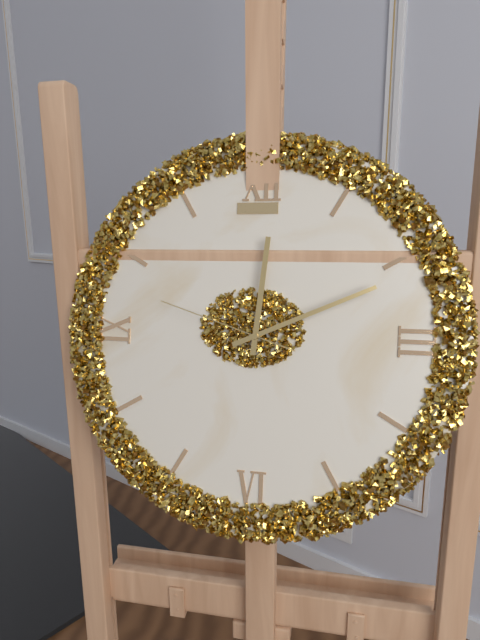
12:11:48
